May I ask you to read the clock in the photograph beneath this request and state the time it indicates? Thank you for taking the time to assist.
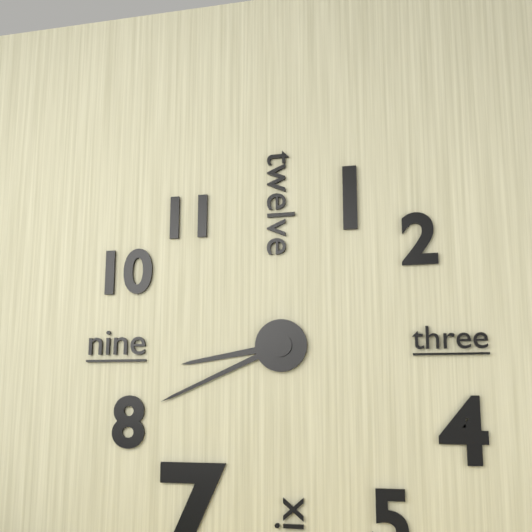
8:41
